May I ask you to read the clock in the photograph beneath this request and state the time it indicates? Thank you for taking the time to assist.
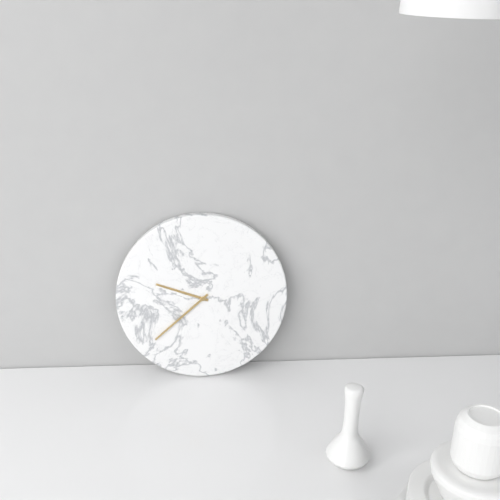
9:38
